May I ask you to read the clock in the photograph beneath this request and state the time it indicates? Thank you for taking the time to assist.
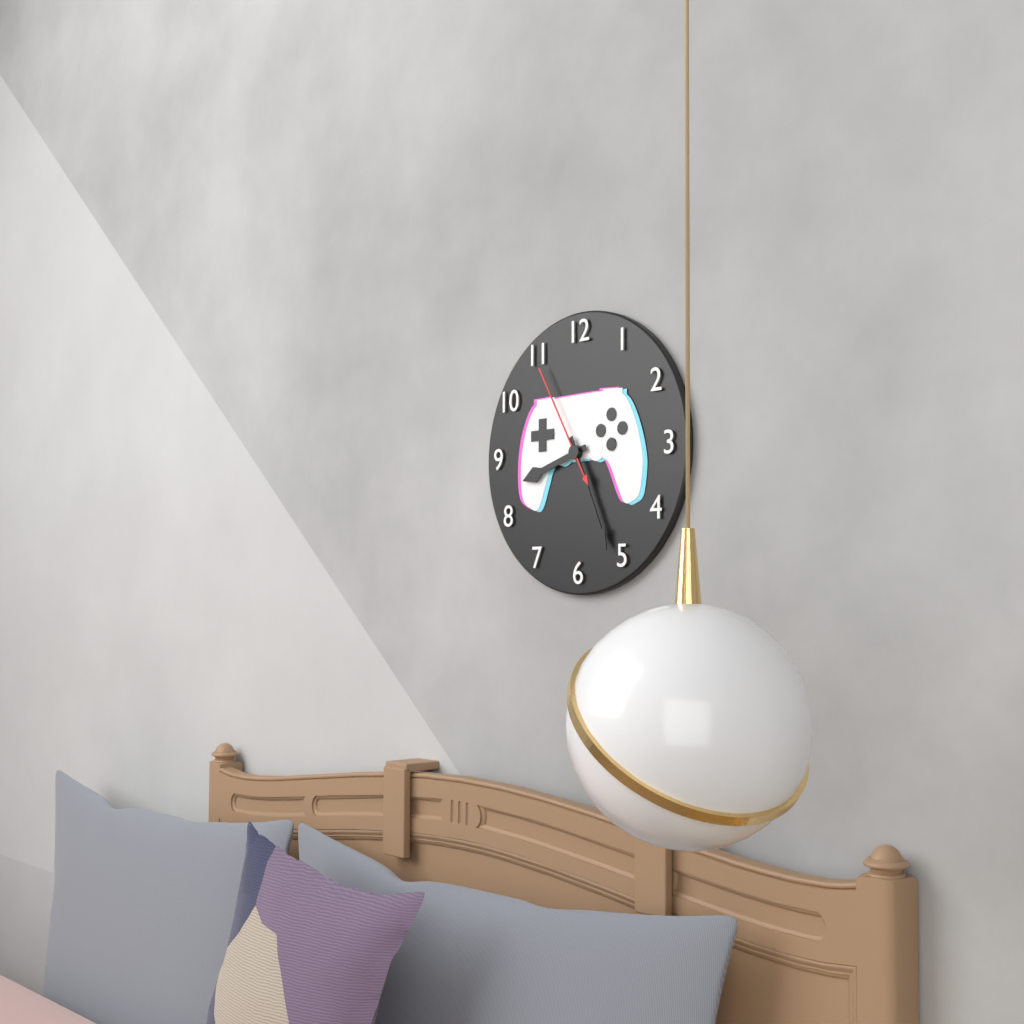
8:26:55
